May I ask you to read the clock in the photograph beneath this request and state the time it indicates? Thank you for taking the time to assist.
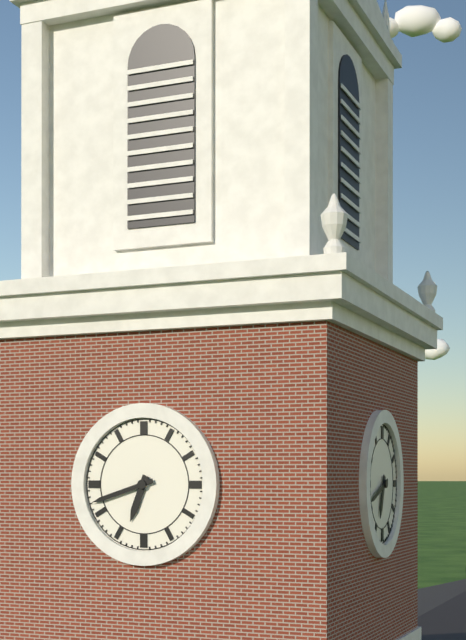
6:42
